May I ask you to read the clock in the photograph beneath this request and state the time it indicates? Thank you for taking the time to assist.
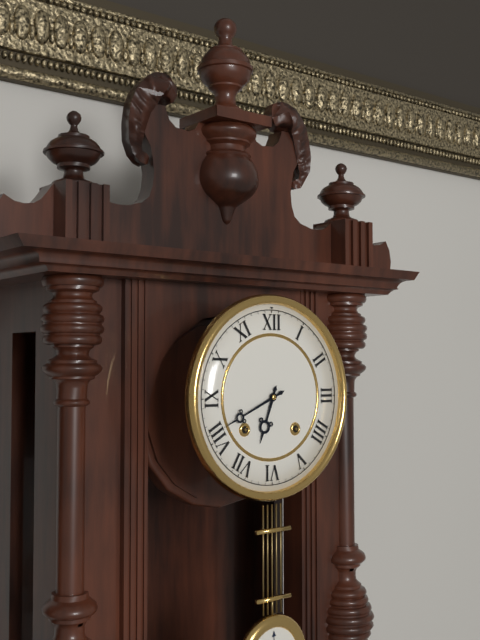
6:41
